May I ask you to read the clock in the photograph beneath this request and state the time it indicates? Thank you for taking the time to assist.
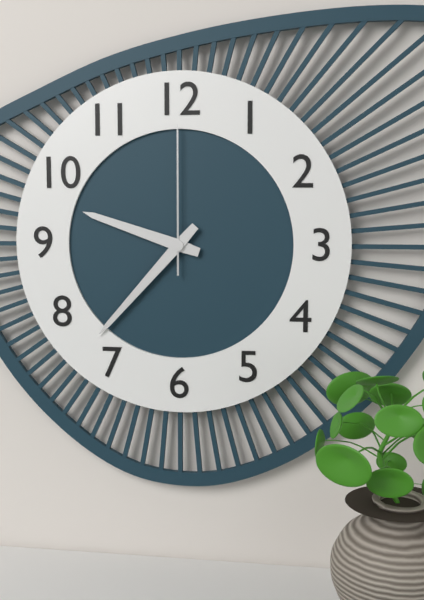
9:37:00
